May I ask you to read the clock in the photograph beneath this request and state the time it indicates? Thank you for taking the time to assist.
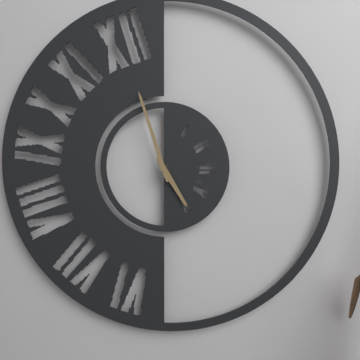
4:57
